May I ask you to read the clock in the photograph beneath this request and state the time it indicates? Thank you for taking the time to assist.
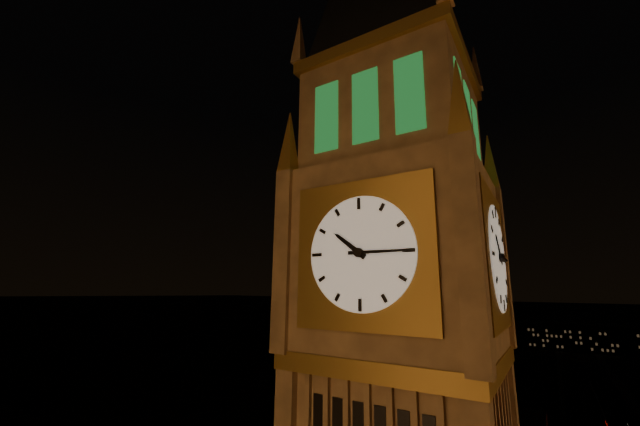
10:15
